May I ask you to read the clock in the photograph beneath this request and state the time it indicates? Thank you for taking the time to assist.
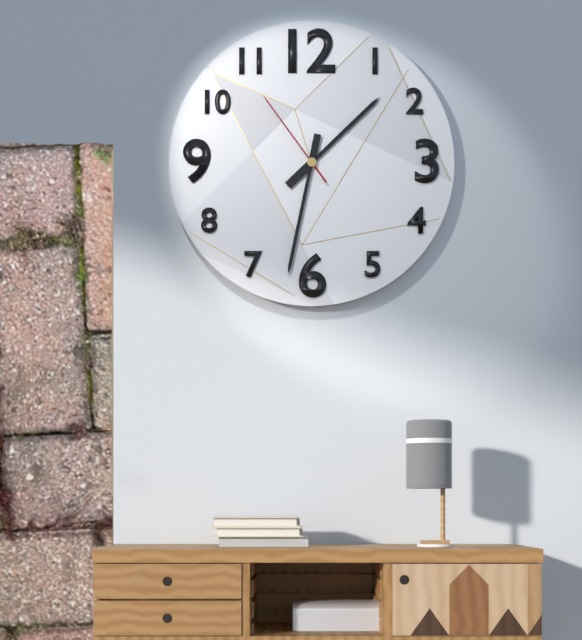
1:32:54
